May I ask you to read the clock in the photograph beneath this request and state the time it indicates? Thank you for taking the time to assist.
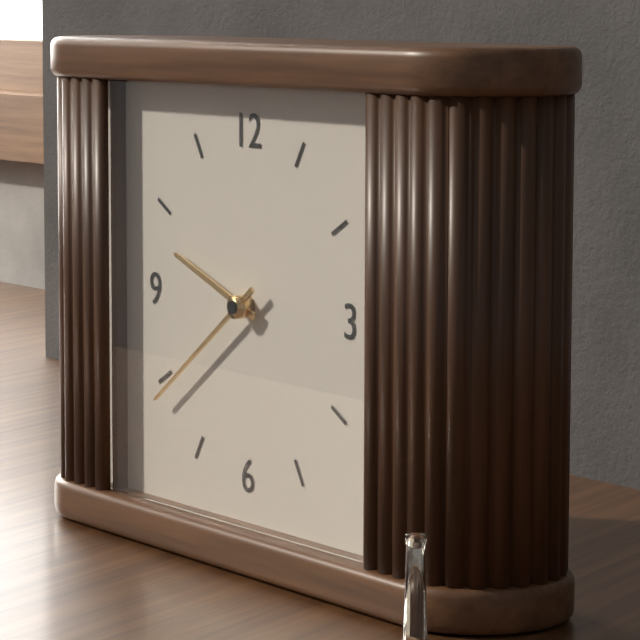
9:39
